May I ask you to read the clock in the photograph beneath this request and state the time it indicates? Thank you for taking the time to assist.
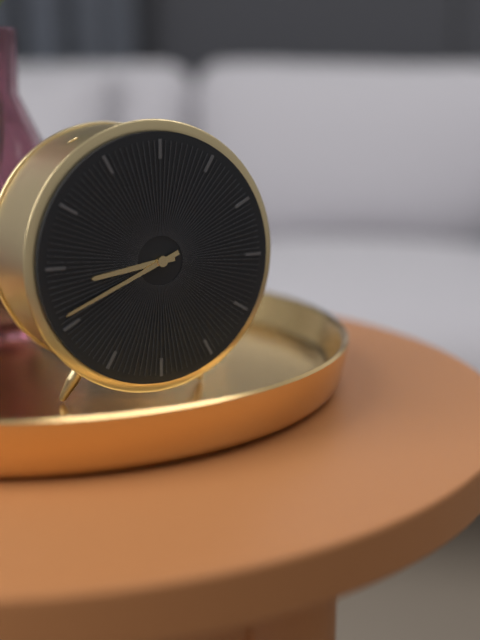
8:41
